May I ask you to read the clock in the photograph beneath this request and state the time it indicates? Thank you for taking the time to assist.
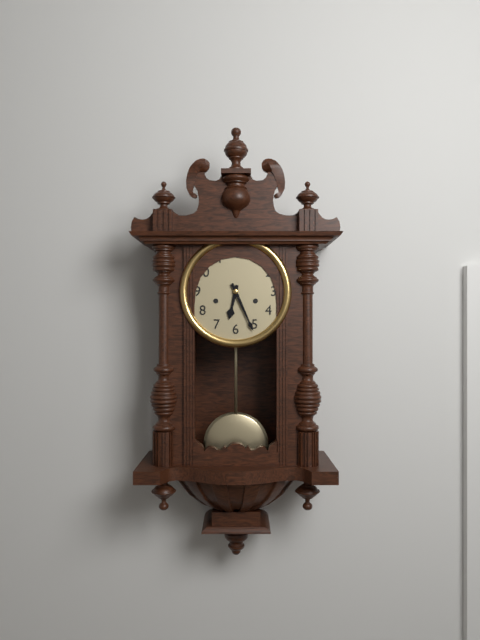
6:26
